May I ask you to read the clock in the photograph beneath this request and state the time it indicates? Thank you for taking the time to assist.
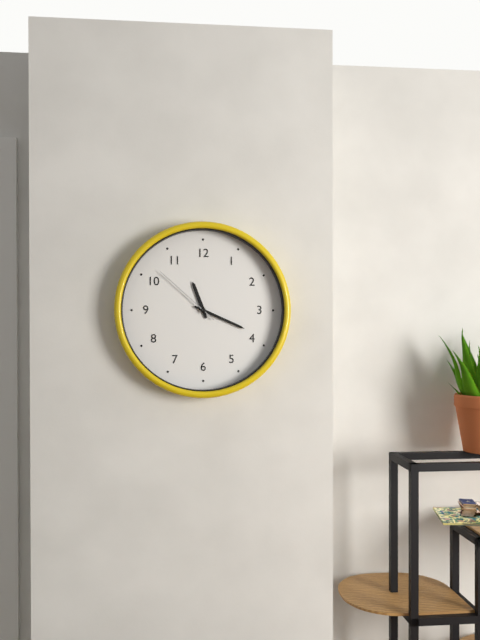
11:19:52
